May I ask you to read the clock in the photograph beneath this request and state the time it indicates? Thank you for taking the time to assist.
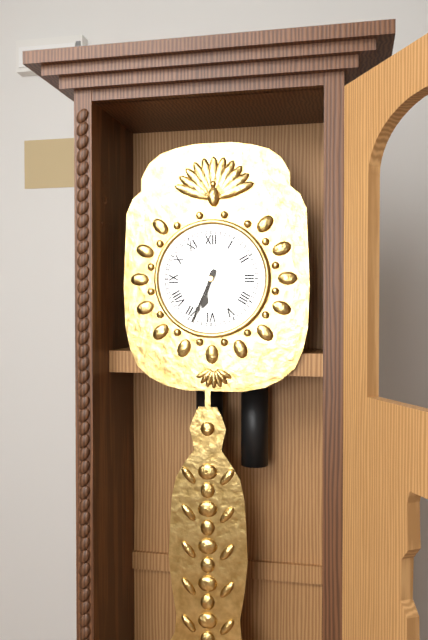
6:34
